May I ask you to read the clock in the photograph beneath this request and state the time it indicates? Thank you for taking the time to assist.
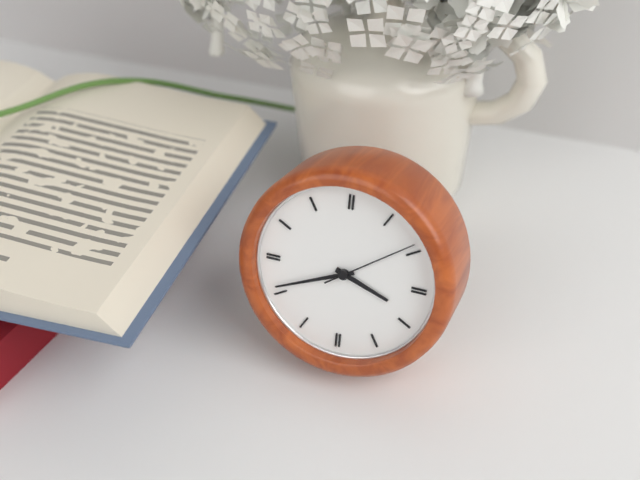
3:41:09
